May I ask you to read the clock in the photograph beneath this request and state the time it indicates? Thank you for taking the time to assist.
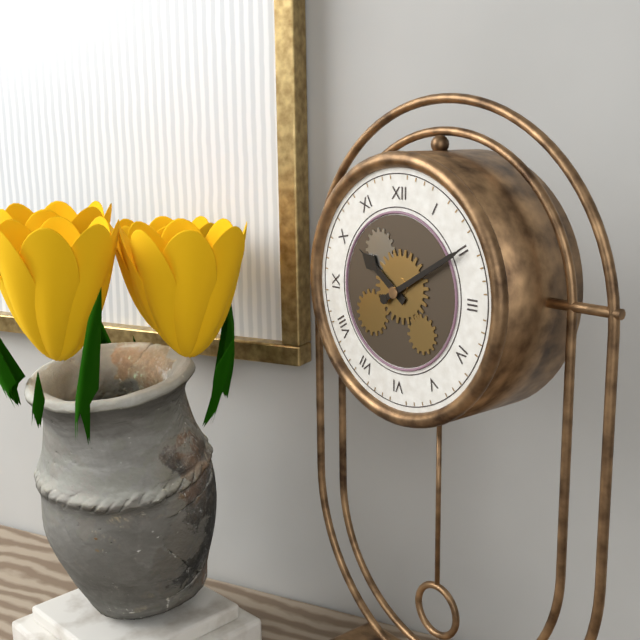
10:10
